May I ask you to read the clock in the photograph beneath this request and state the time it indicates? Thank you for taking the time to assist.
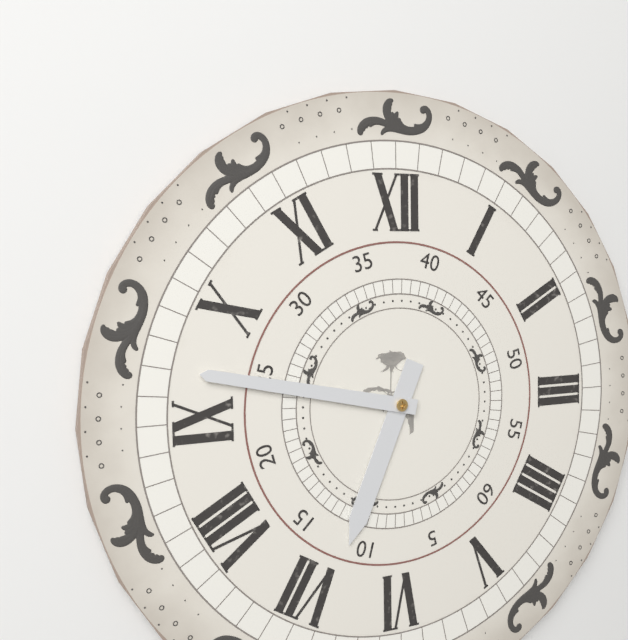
6:47
